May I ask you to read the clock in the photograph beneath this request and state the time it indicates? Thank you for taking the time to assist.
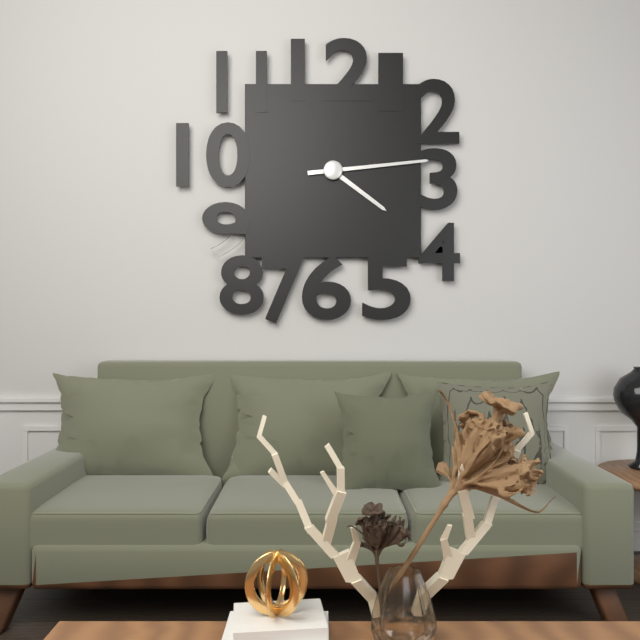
4:14
